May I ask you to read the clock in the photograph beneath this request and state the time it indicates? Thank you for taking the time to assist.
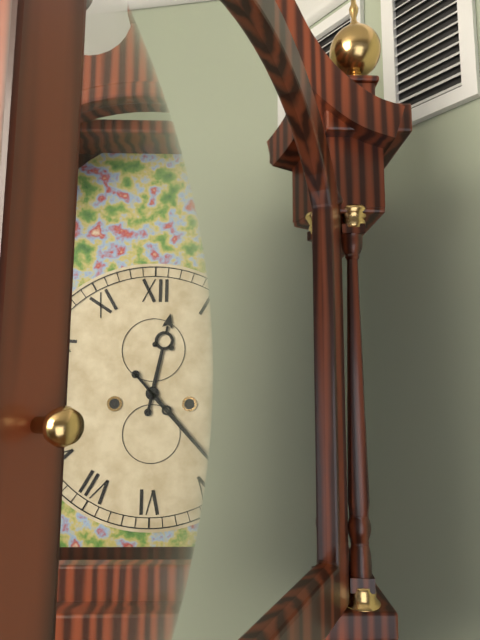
12:23
